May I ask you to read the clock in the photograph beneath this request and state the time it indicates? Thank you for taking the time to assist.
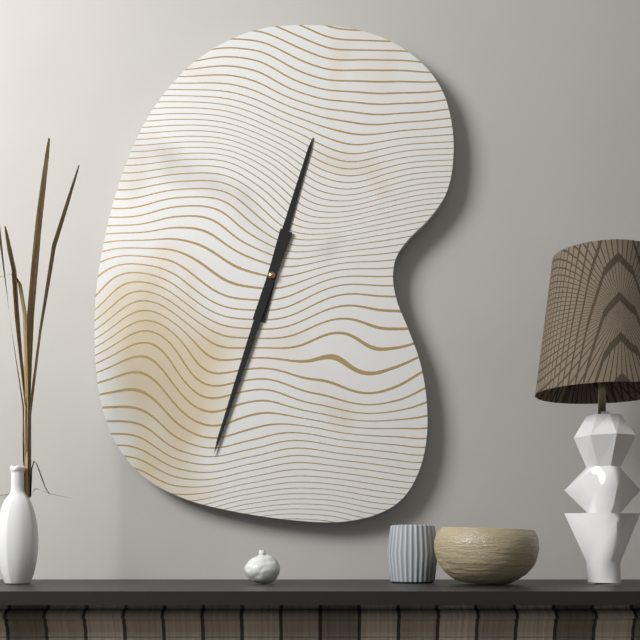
12:33
